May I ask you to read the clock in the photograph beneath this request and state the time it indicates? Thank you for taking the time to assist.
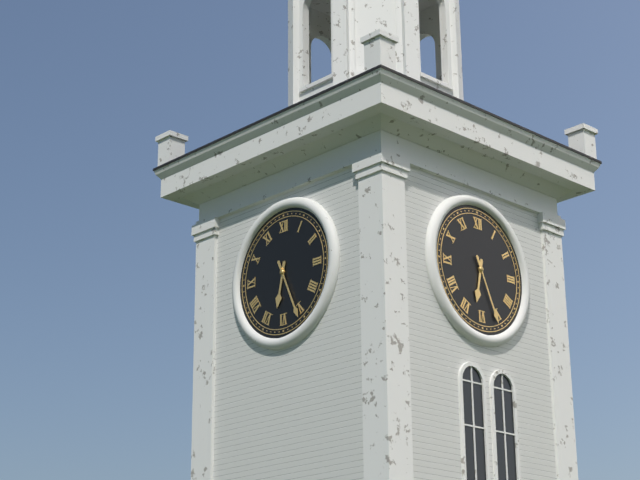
6:26
